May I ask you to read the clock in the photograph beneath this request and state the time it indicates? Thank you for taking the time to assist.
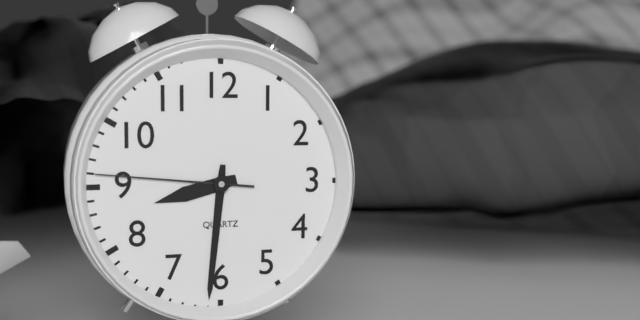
8:31:46
